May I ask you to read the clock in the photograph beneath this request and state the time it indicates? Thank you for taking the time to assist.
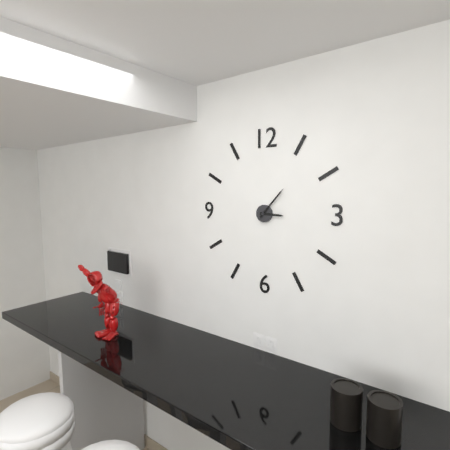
3:07
